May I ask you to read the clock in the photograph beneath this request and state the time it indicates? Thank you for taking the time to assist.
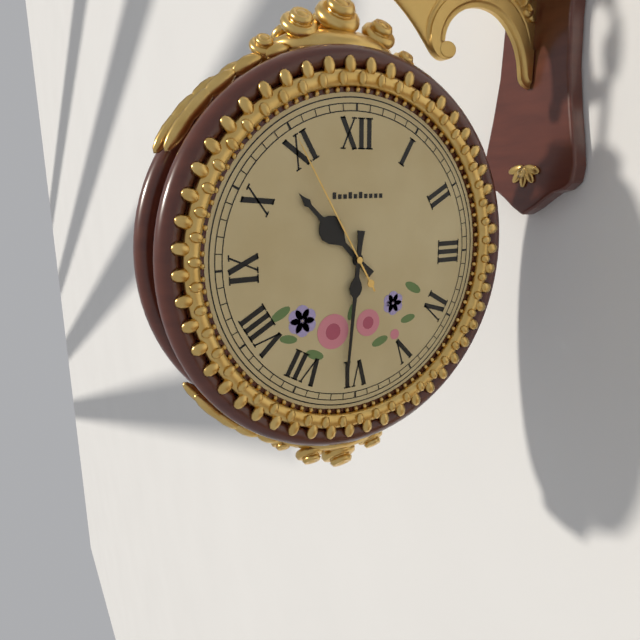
10:31:55
